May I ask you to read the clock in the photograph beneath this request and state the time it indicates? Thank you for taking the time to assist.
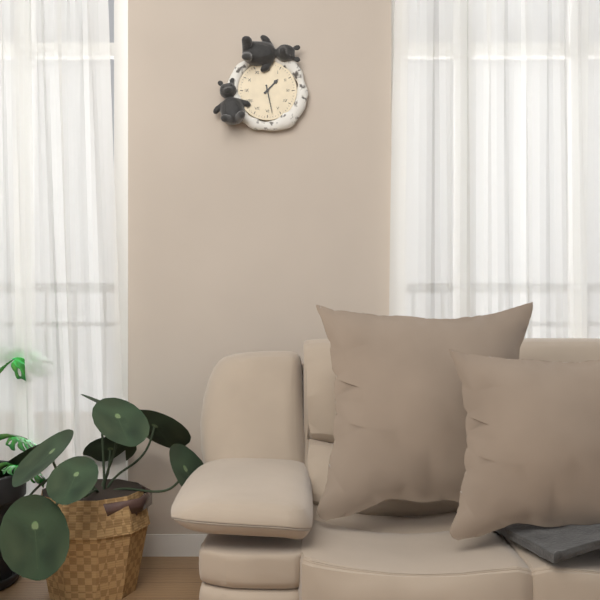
1:28
